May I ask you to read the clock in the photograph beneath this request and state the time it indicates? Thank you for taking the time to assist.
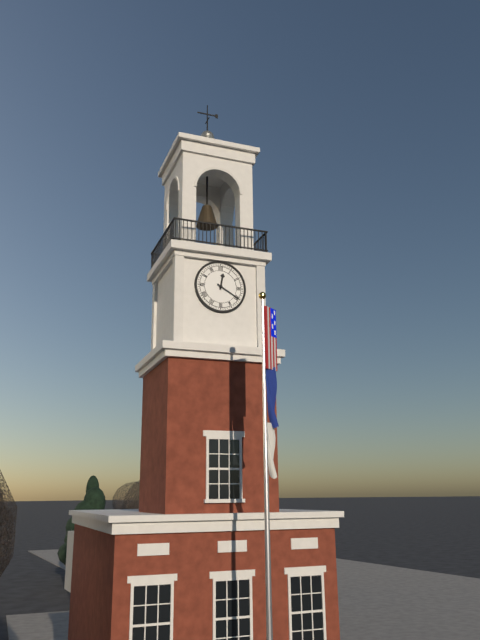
12:20
